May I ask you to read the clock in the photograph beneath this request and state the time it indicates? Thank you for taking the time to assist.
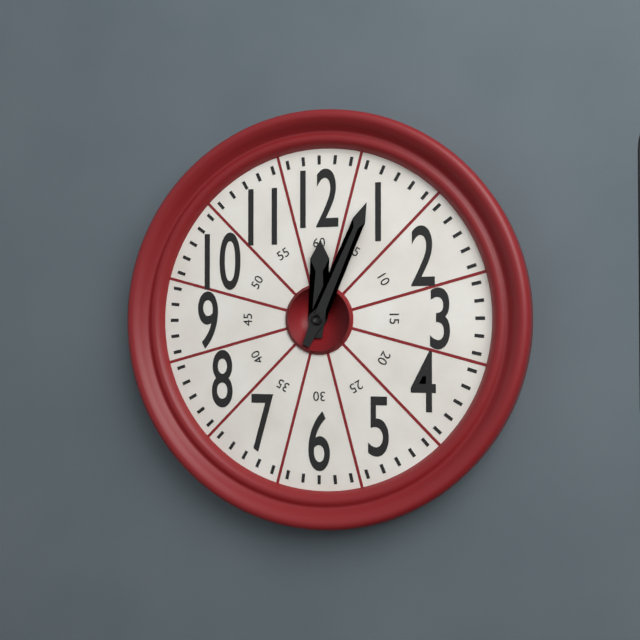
12:04
